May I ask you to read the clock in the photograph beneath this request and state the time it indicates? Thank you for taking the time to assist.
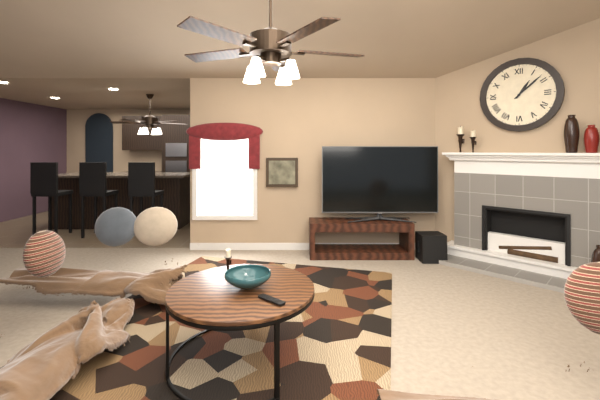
1:08
